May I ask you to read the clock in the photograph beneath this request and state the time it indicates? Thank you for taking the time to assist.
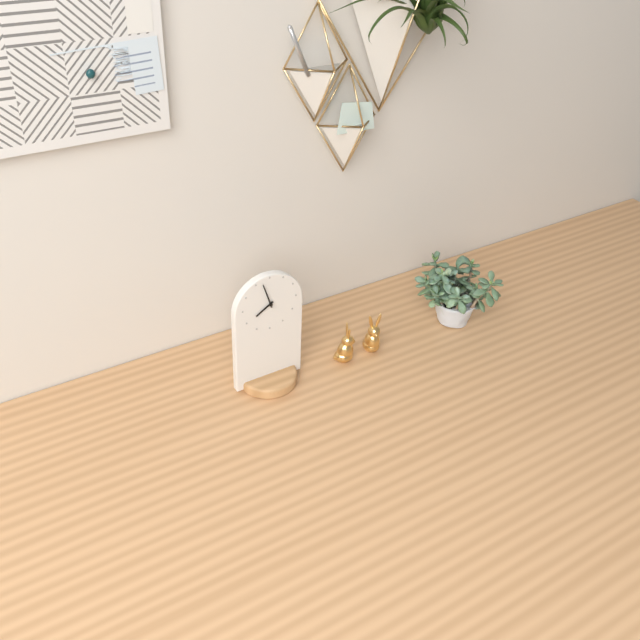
7:57
